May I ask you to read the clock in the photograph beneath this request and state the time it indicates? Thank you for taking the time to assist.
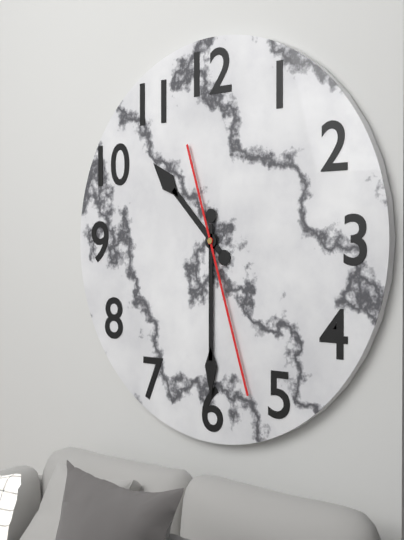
10:30:27
